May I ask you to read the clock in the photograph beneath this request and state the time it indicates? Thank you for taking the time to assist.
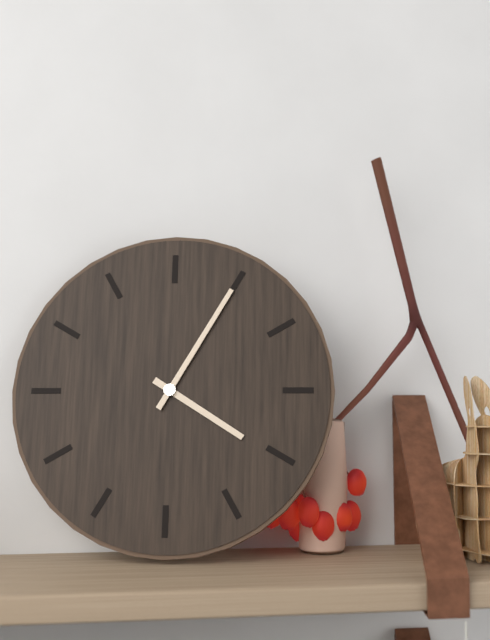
4:05
